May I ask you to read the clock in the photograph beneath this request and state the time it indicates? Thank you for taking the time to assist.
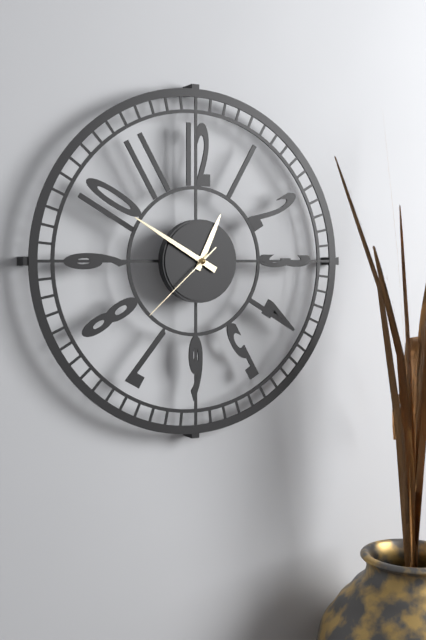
12:50:38
